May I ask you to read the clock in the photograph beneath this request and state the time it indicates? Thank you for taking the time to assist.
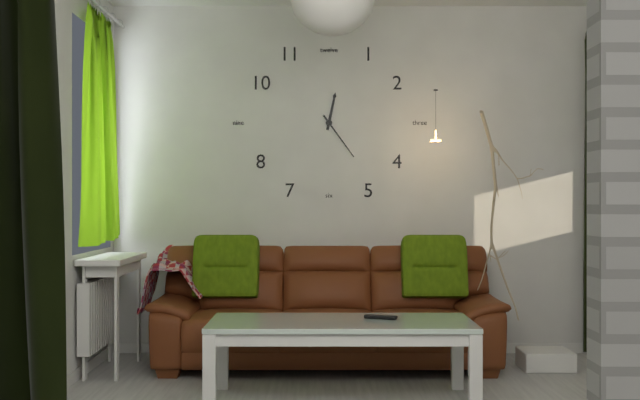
12:24
